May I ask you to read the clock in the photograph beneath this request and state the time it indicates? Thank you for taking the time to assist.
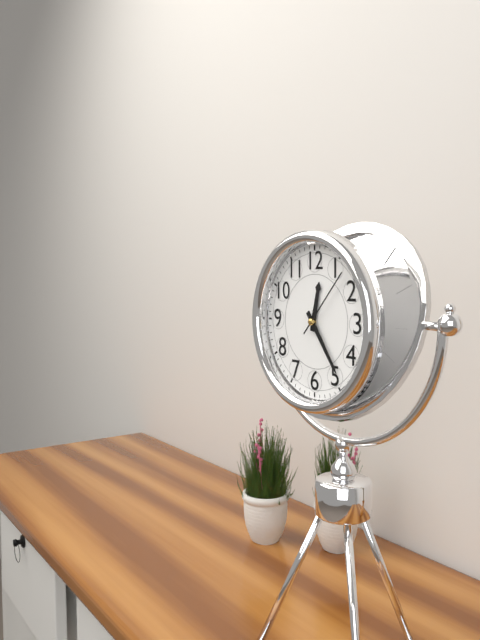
12:24:07
